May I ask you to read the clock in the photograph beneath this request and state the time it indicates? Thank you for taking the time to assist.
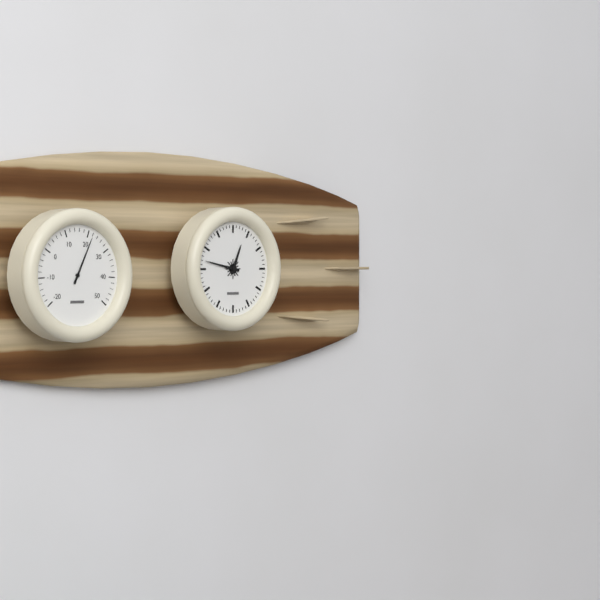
12:47
